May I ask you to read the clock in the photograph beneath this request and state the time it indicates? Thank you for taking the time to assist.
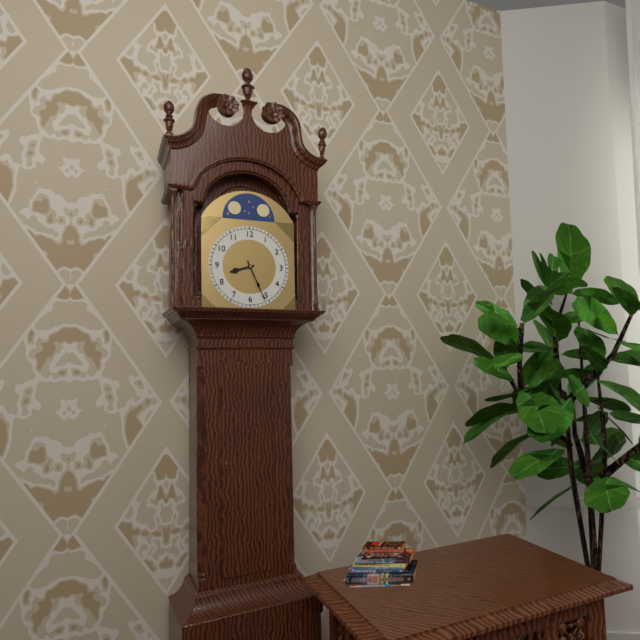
8:26
